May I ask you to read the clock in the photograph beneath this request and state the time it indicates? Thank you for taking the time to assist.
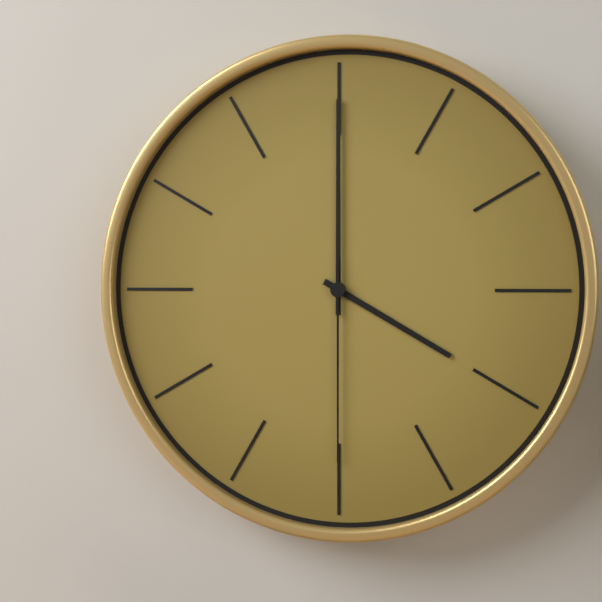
4:00:30
